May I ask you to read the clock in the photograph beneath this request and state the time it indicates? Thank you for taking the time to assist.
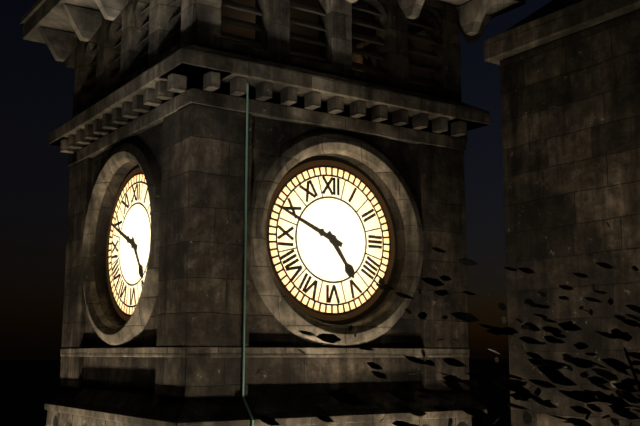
4:49
